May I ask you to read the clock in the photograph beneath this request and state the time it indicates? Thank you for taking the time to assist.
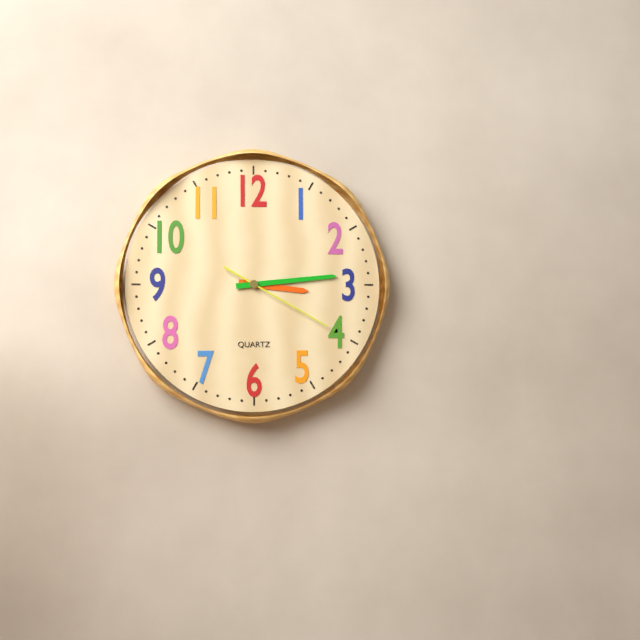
3:14:20
